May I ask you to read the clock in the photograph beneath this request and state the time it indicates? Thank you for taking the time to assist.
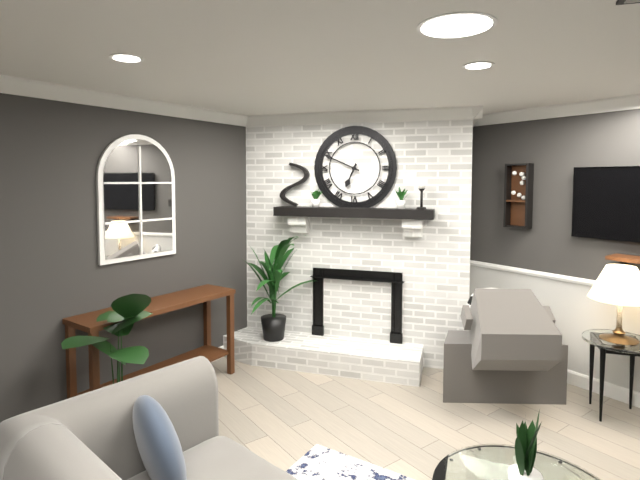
6:49
